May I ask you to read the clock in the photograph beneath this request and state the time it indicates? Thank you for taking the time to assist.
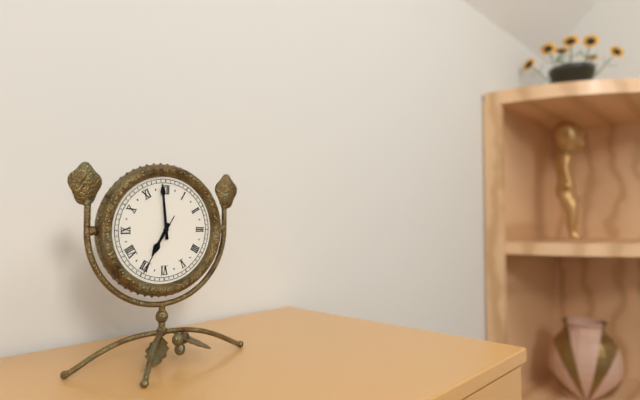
6:59:35
